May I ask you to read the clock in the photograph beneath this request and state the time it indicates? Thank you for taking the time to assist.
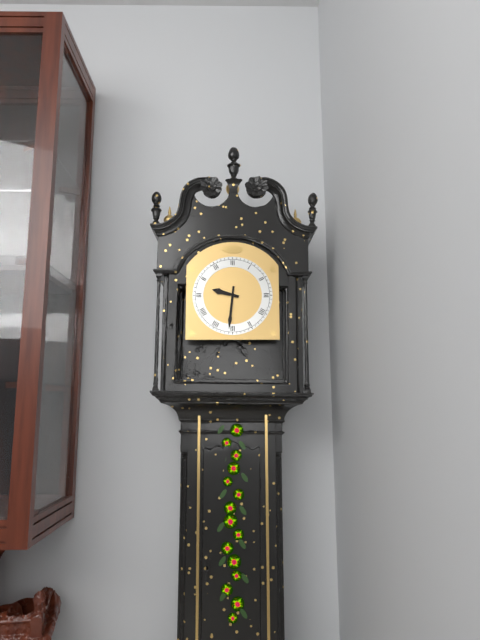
9:31
